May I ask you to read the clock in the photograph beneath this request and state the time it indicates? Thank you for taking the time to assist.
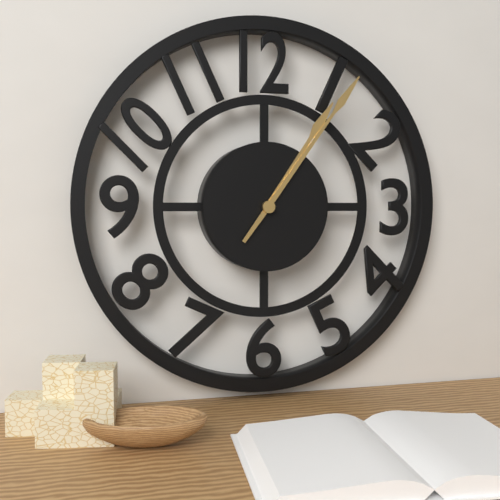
1:06
